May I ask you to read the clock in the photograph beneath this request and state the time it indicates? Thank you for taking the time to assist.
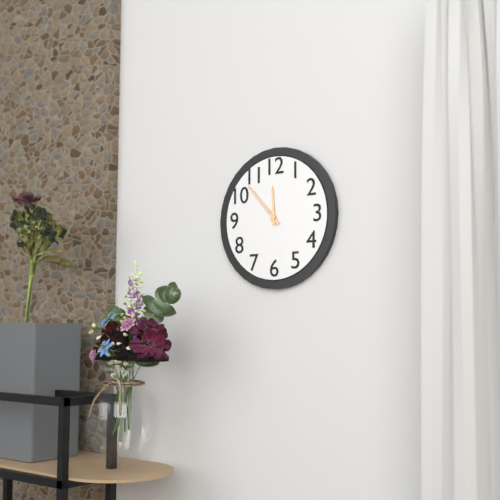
11:53
